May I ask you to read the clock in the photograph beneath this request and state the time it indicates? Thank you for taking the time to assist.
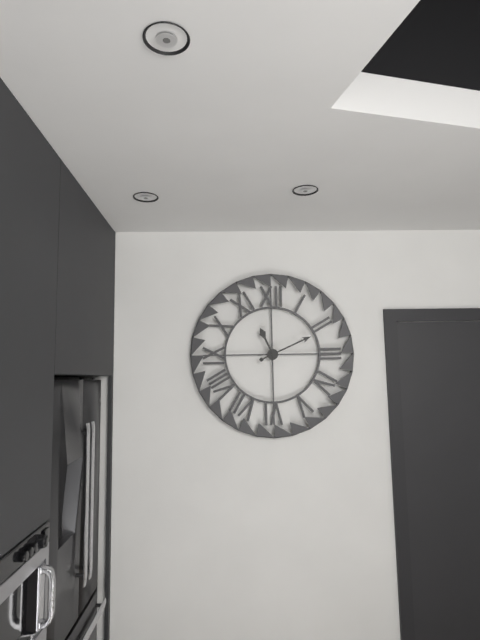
11:11
